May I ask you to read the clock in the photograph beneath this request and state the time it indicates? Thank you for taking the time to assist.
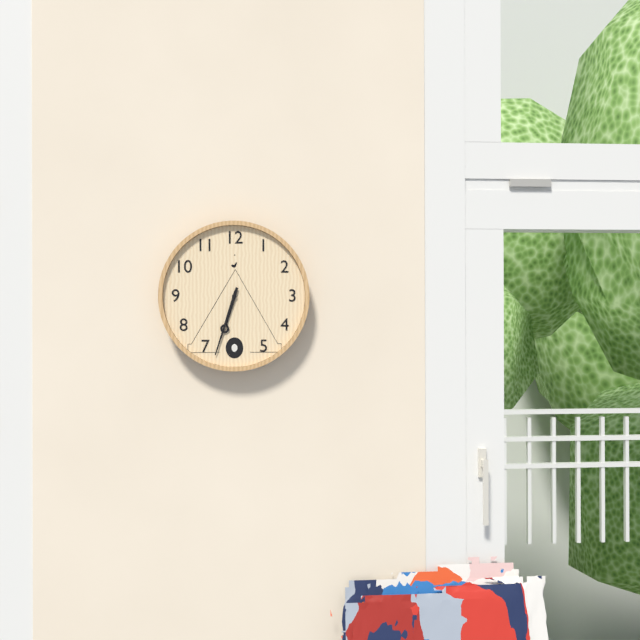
6:33
